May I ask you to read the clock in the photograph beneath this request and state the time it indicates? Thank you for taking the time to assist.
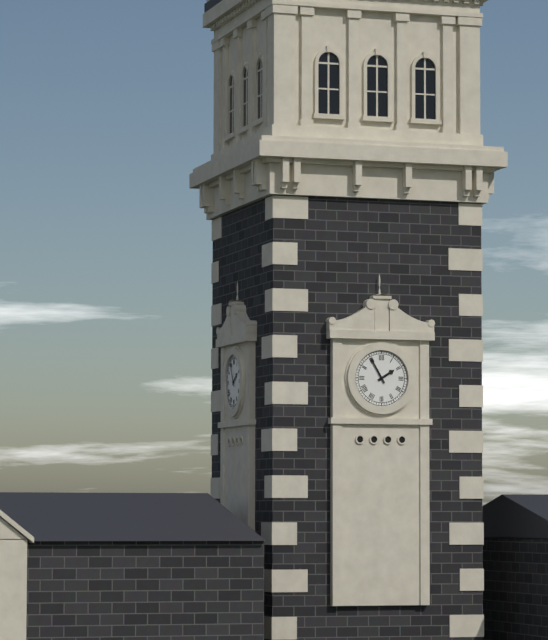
1:55
